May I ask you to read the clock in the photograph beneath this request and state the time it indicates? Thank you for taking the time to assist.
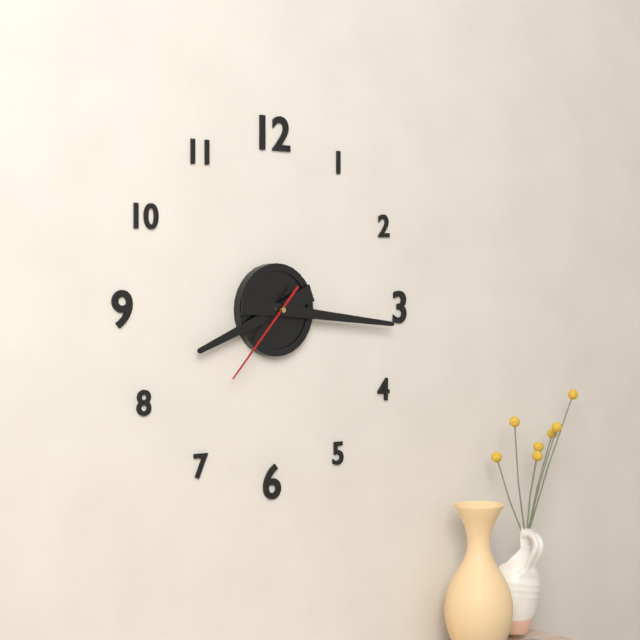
8:16:37
